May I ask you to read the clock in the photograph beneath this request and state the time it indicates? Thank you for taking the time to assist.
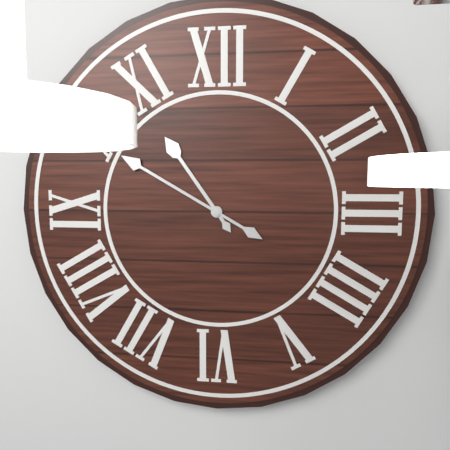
10:50
